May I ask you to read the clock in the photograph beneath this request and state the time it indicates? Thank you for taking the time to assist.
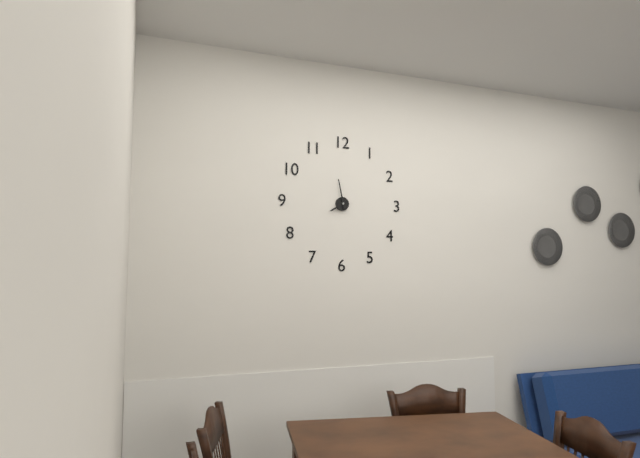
7:58
